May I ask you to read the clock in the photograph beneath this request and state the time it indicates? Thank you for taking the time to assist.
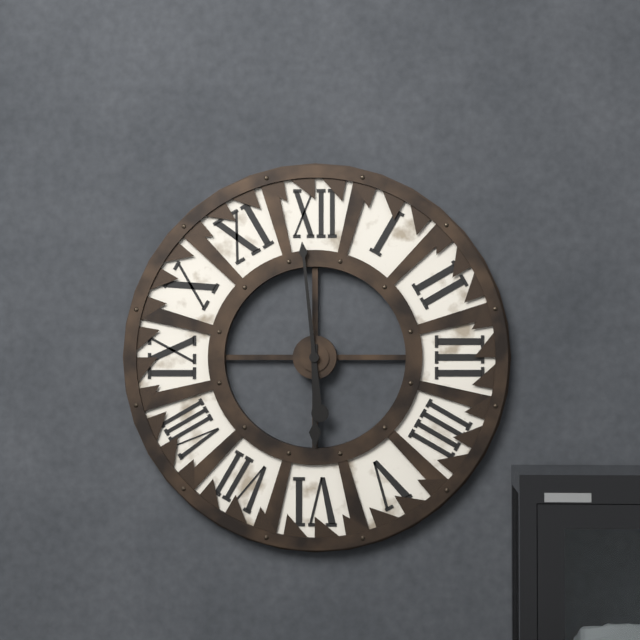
5:59
